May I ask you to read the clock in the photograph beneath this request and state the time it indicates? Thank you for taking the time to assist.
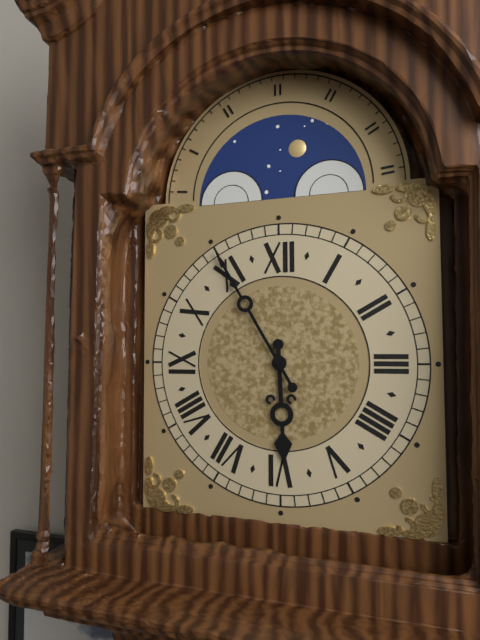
5:55
